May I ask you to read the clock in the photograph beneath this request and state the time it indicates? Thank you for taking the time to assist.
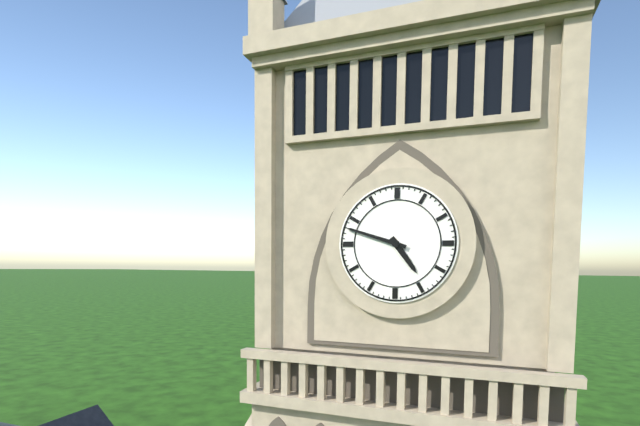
4:48
